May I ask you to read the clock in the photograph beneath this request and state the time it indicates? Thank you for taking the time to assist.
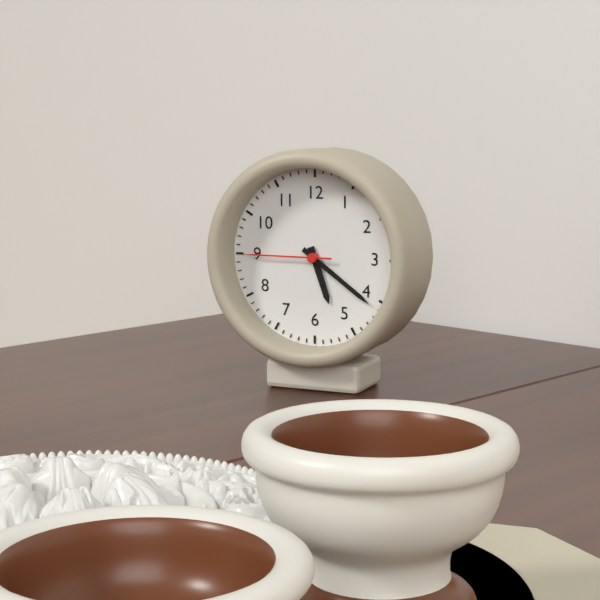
5:21:45
